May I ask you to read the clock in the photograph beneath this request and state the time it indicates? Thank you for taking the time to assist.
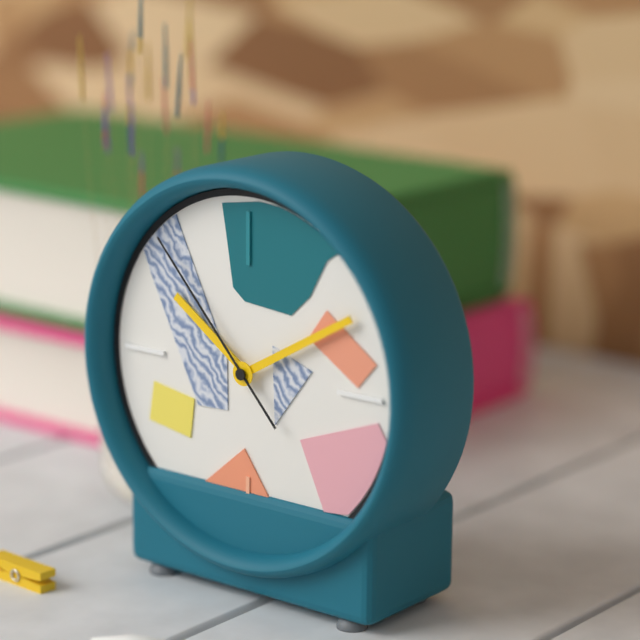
10:10:53
